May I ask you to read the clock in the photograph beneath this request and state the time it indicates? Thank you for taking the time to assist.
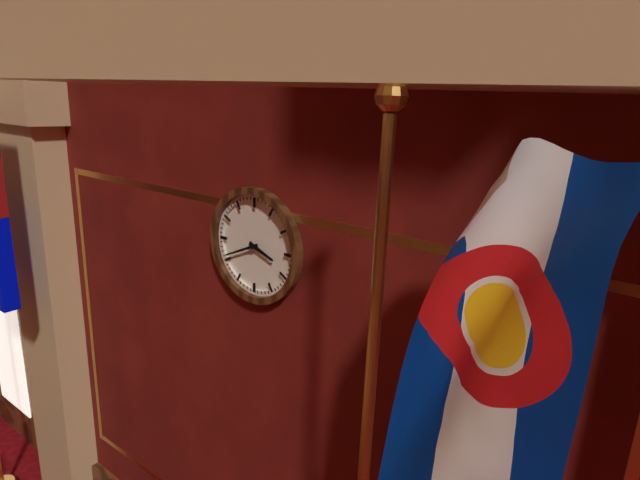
3:41
